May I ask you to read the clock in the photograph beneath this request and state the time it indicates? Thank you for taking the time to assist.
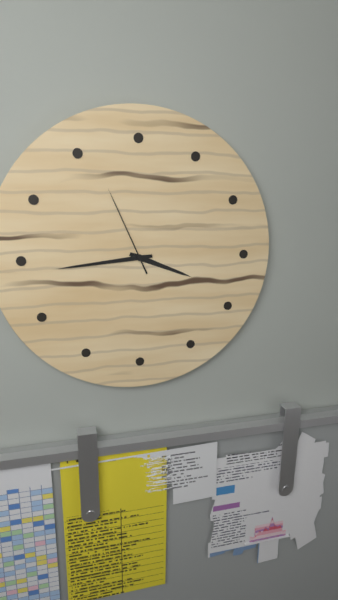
3:44:56
